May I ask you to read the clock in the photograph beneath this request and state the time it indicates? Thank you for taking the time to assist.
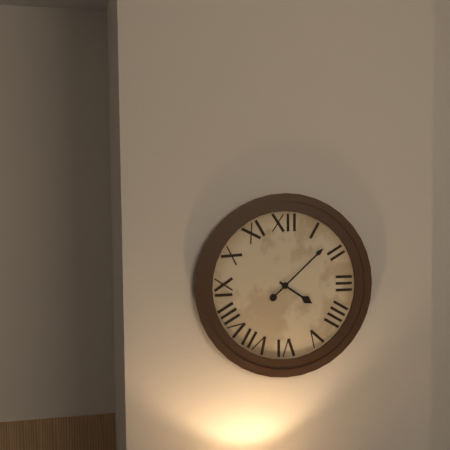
4:08
